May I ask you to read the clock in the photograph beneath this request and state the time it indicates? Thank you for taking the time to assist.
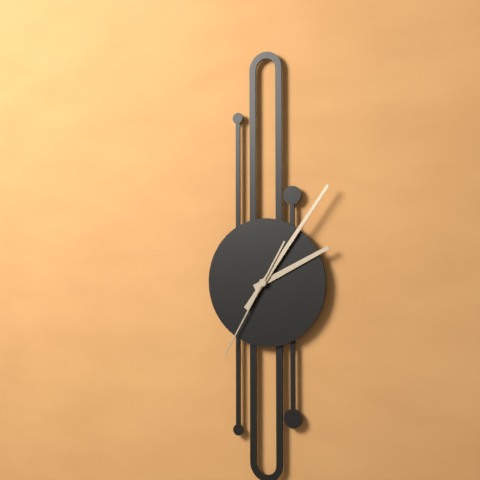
2:06:35
